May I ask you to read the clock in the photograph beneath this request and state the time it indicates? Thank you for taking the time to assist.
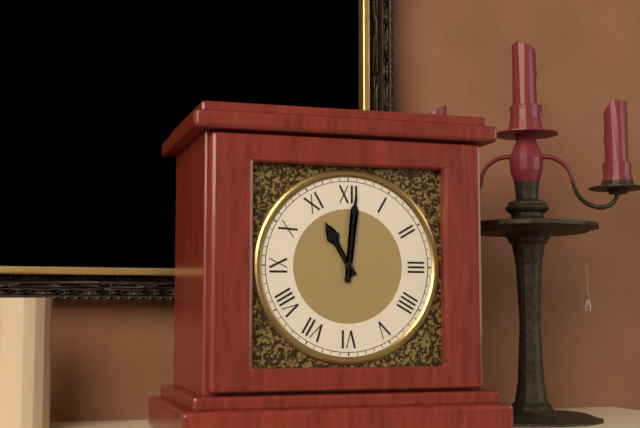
11:01
